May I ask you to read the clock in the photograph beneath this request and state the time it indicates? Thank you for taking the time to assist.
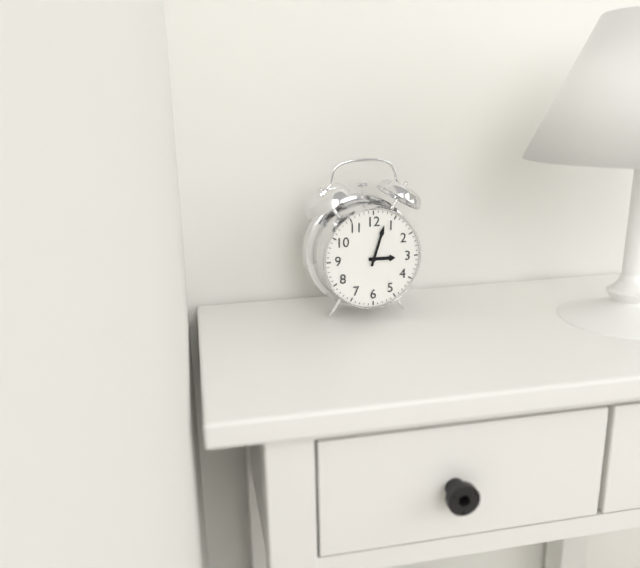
3:03
